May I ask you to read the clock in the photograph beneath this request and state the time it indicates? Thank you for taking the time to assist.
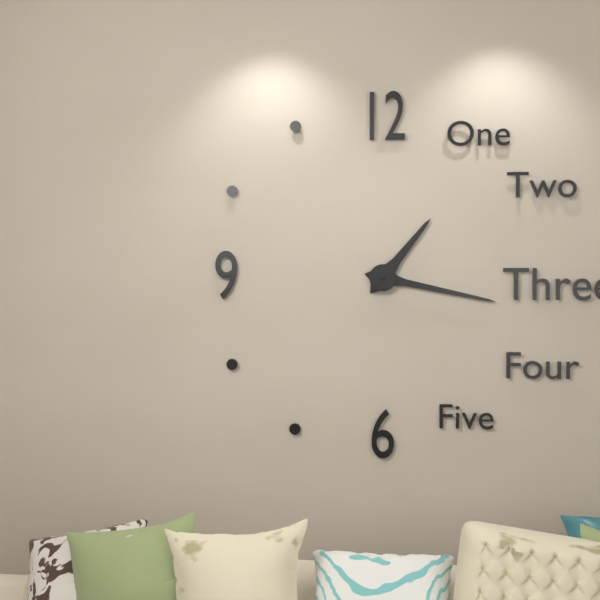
1:17
